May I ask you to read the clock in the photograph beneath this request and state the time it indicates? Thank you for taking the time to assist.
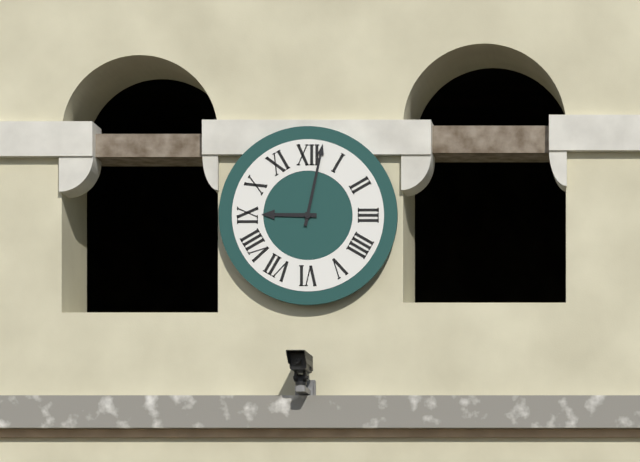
9:02
